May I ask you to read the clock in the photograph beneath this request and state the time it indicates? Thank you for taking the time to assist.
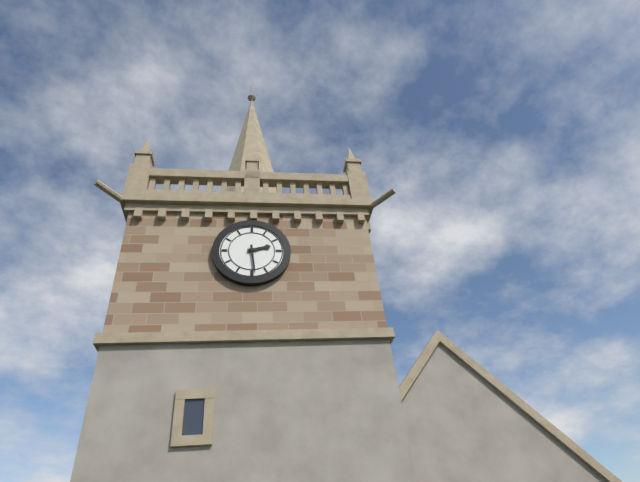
2:29
